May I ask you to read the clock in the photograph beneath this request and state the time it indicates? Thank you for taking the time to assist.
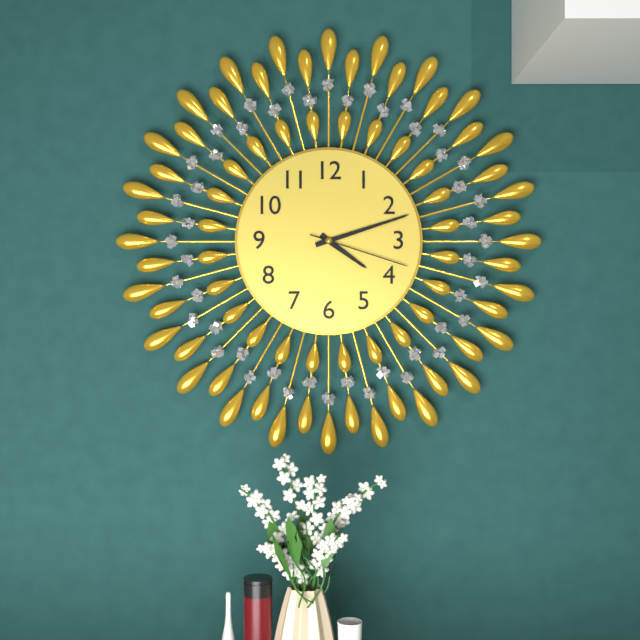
4:12:18
